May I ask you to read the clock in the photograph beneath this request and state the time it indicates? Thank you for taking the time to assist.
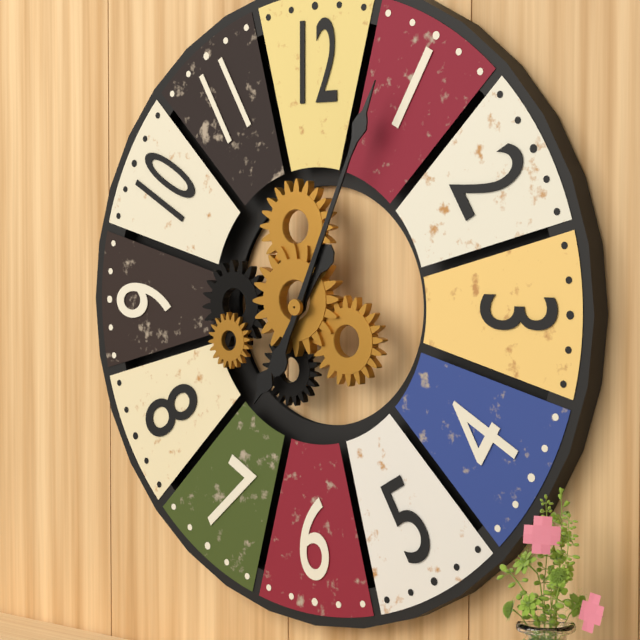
7:04
